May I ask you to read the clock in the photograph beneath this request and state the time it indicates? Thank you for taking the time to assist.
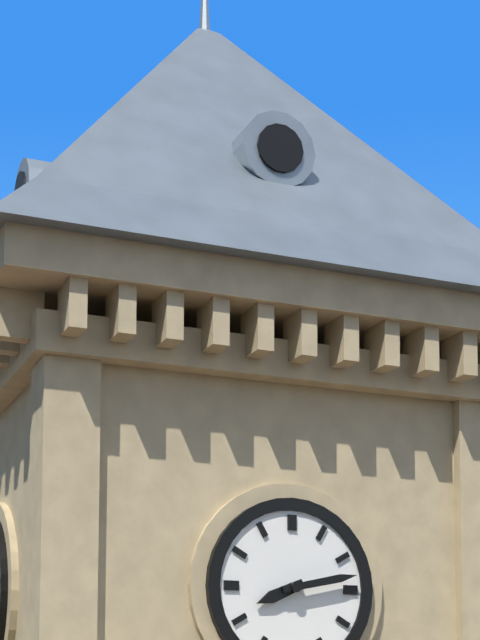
8:13
